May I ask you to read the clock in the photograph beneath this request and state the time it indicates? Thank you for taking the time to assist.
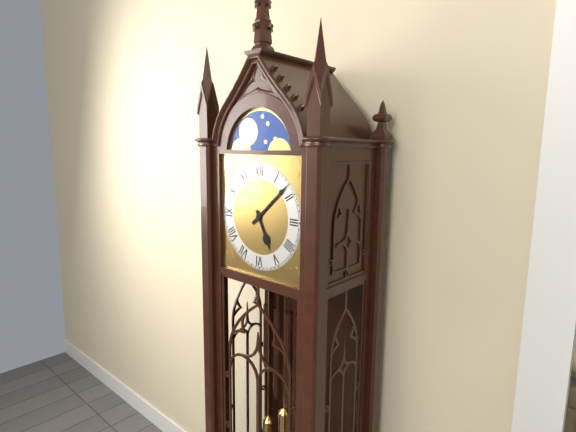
5:08
